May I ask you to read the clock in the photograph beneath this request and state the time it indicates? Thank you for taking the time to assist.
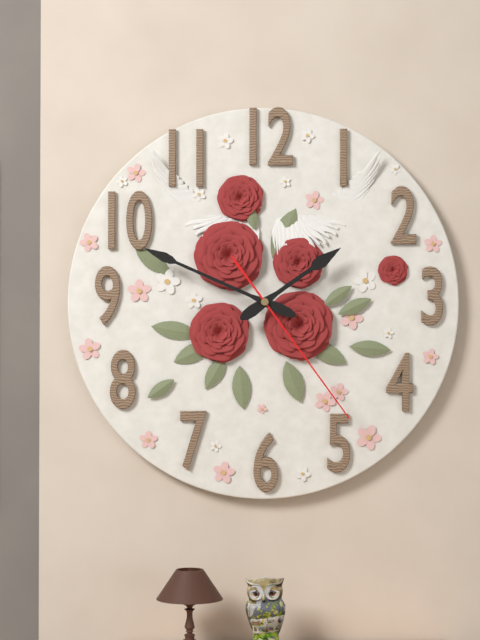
1:49:24
